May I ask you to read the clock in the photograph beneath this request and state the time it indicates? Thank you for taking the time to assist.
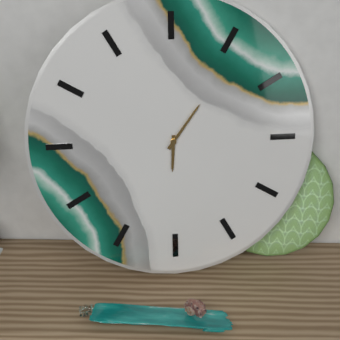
6:06
